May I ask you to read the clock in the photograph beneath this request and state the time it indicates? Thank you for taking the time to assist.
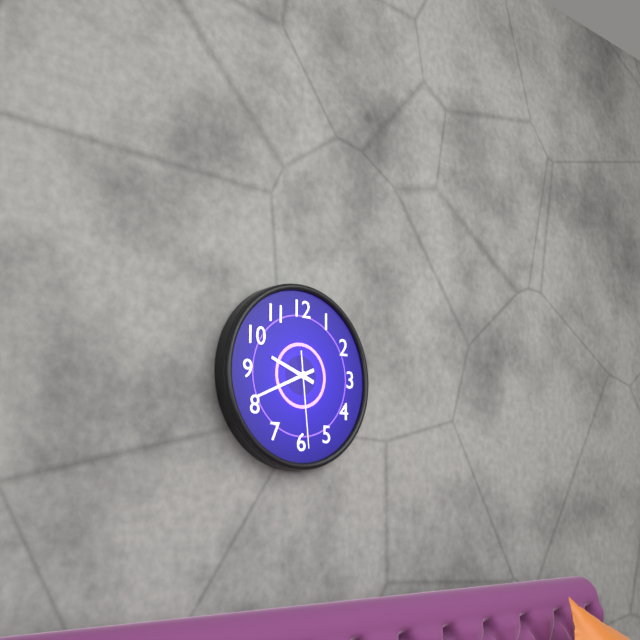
9:41:29
